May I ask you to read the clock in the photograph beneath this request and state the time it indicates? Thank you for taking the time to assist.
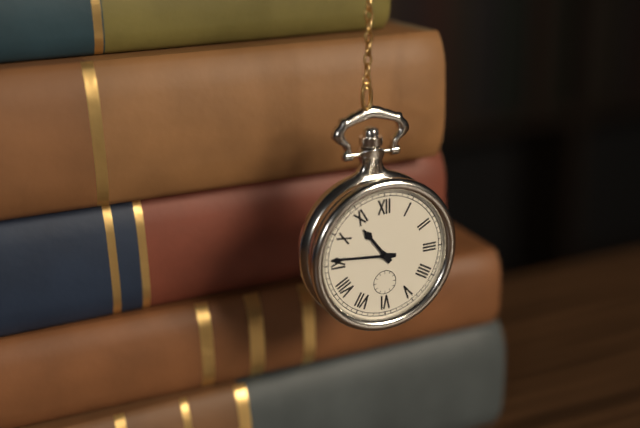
10:46
